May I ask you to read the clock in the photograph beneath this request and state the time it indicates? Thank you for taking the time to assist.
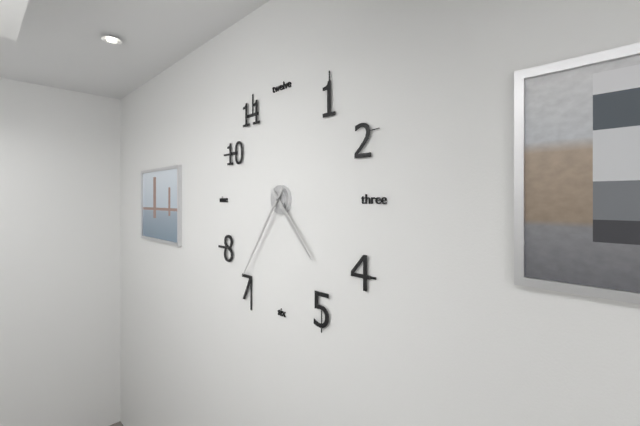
4:36
